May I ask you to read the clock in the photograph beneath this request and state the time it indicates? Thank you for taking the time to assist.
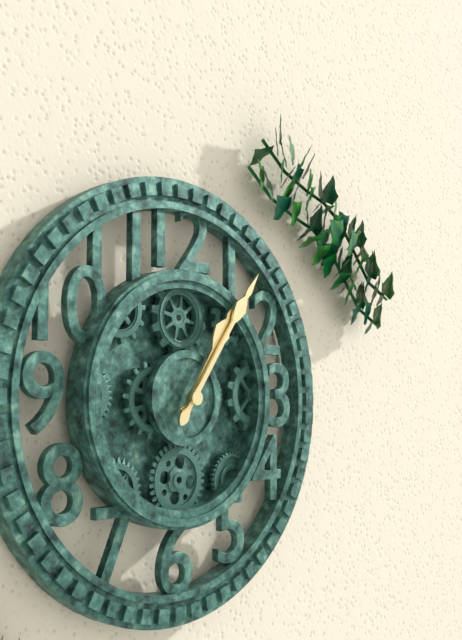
1:06
